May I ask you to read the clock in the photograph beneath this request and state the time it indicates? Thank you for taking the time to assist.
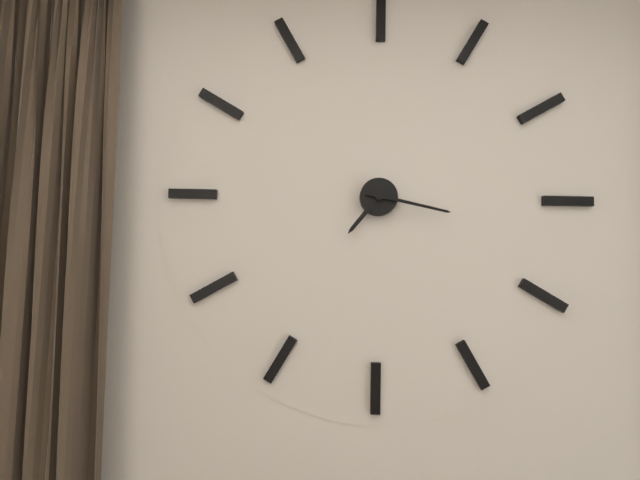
7:17
